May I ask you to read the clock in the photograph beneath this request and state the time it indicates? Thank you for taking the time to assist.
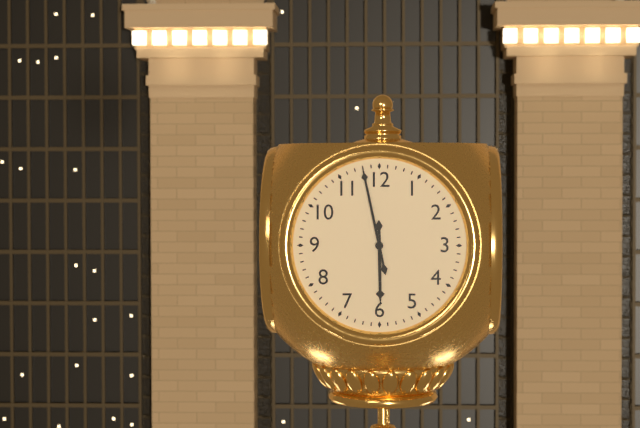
5:58
